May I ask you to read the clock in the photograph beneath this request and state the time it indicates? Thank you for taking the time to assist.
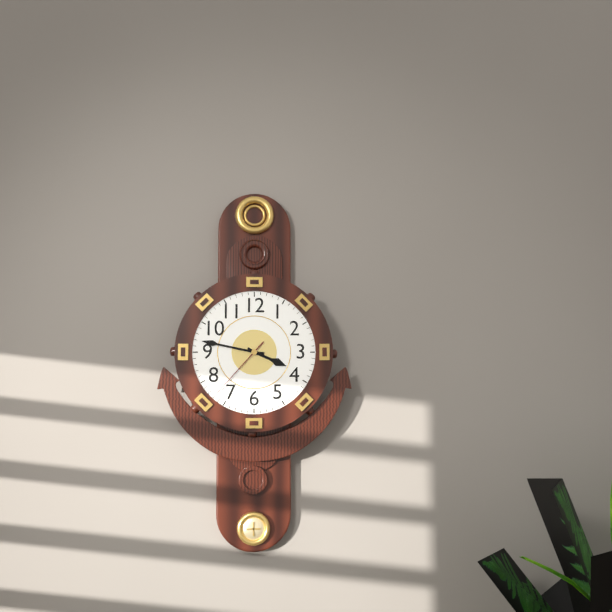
3:47:37
